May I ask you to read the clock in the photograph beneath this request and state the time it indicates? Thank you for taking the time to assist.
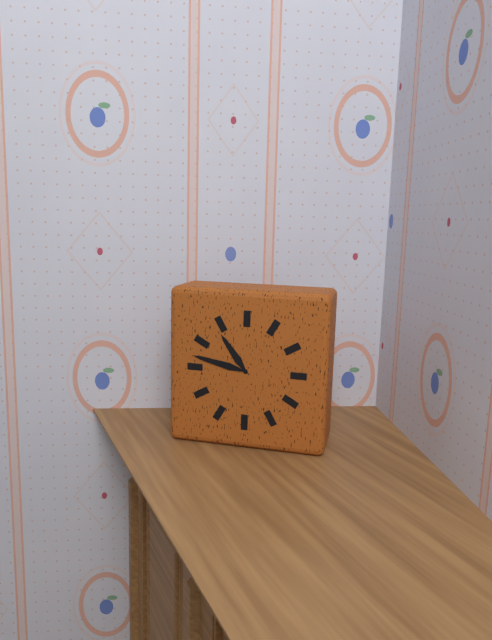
10:47
